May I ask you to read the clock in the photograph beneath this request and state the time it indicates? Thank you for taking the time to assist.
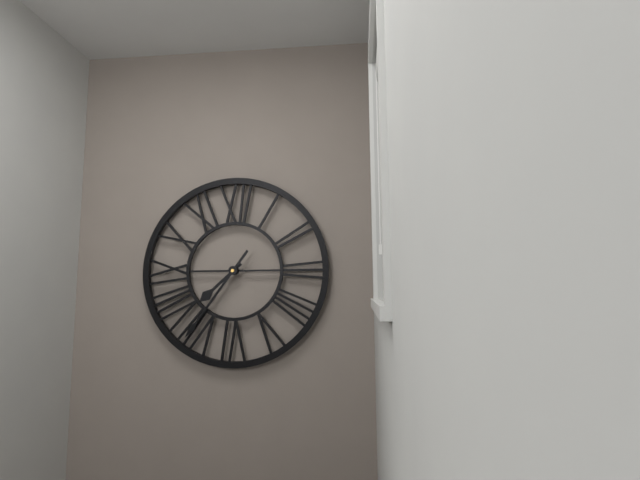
7:36
